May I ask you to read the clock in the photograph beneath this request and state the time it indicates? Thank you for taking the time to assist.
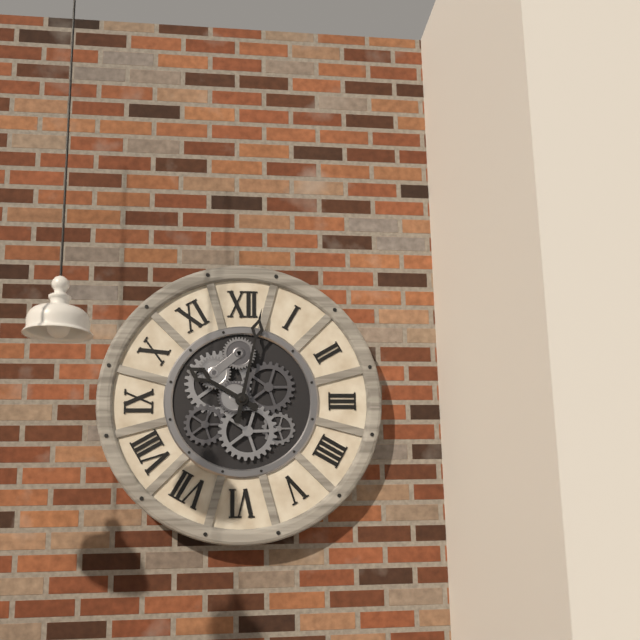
10:02
